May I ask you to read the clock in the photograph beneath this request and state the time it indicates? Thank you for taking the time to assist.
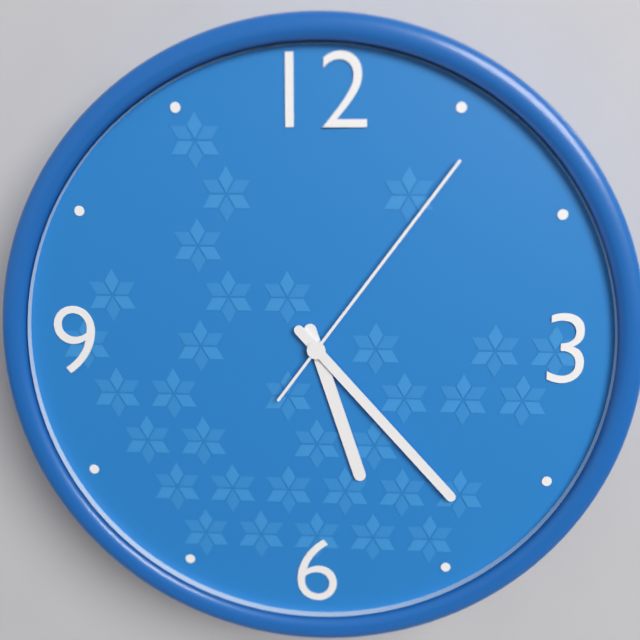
5:23:06
